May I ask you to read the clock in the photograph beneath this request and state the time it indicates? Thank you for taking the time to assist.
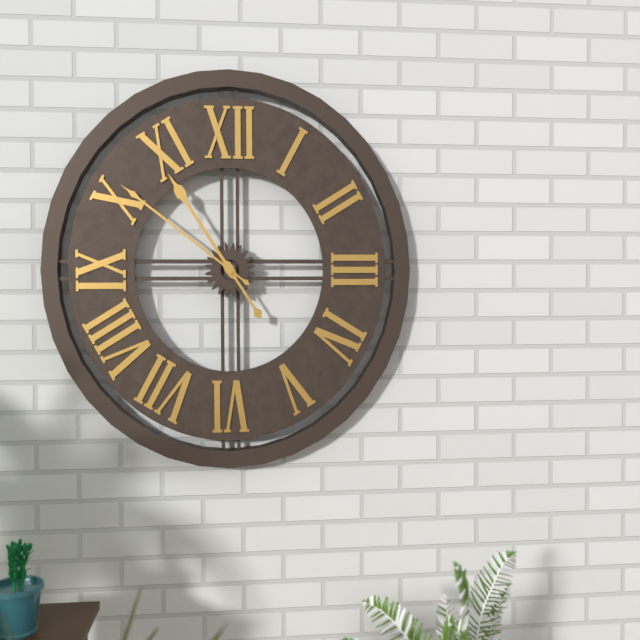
10:51
